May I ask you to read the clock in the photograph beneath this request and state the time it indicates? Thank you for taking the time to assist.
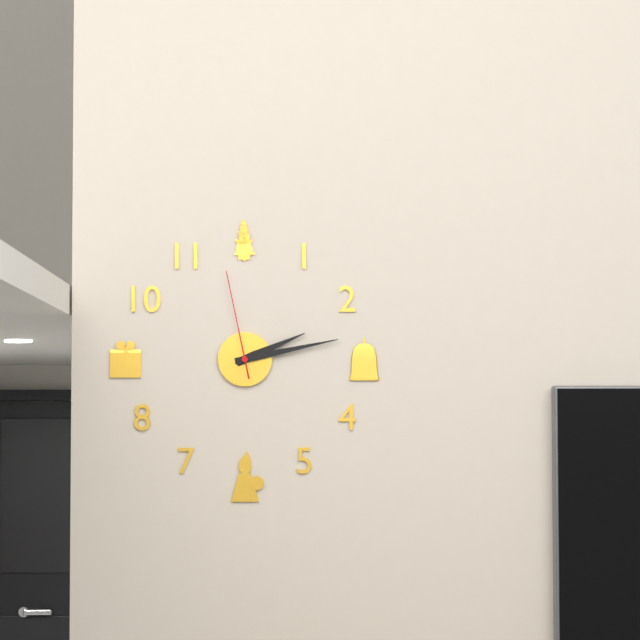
2:13:58
